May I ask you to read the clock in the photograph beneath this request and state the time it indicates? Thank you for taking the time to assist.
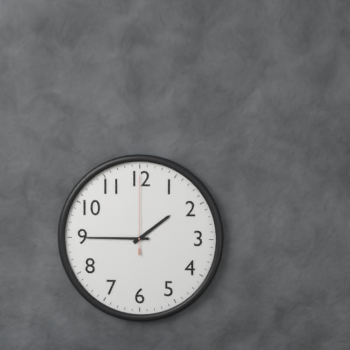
1:45:00
